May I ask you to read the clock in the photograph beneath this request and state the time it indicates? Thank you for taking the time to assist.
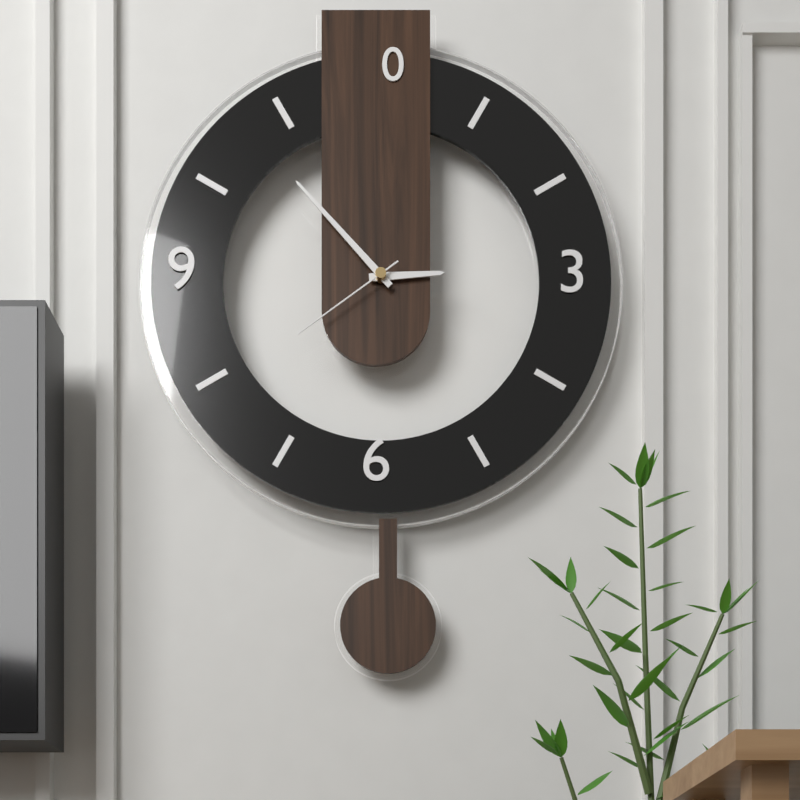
2:53:39
